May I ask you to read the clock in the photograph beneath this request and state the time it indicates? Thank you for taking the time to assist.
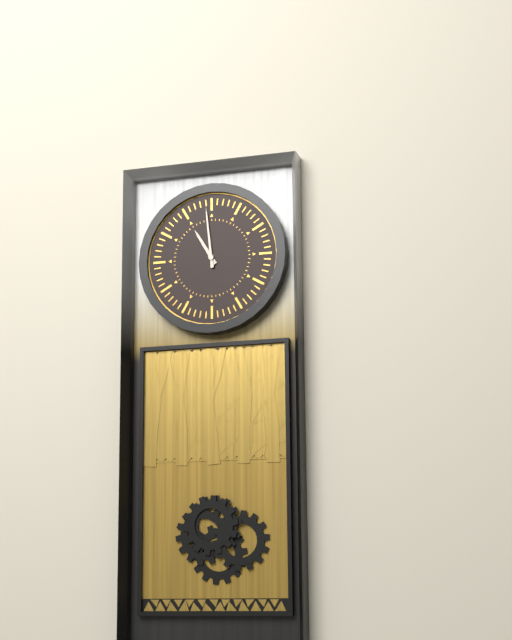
10:59
